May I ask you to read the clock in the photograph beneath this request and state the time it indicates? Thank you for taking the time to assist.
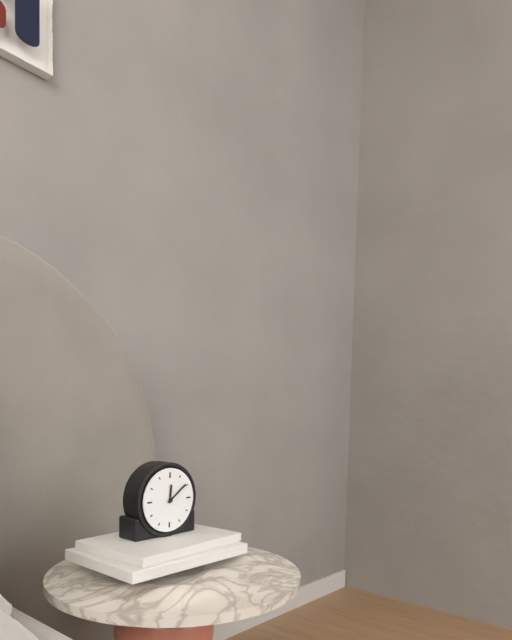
12:09
